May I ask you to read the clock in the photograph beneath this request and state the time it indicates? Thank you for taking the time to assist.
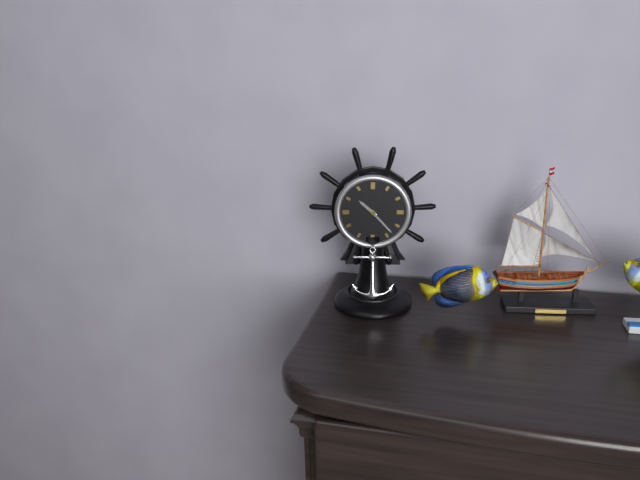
10:23
